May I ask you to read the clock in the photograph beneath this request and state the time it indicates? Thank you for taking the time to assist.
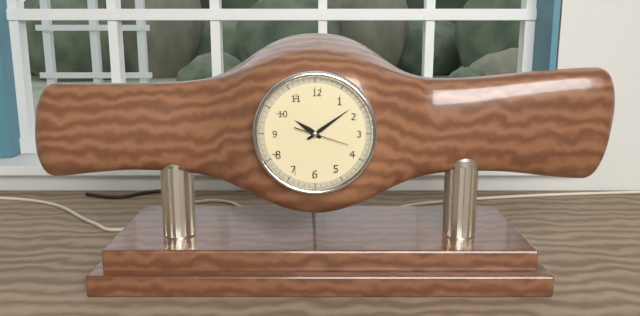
10:09
